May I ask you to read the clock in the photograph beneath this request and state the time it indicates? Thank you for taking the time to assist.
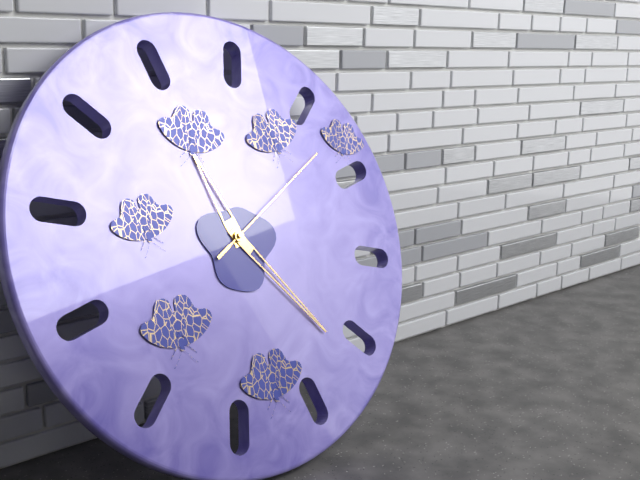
11:24:10
